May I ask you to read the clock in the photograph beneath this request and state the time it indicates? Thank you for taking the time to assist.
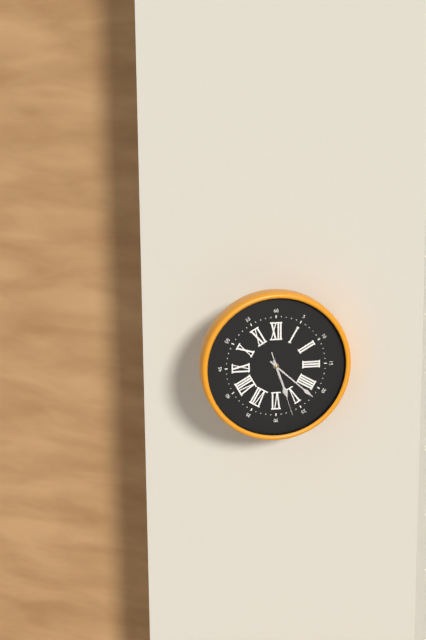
5:22:27
